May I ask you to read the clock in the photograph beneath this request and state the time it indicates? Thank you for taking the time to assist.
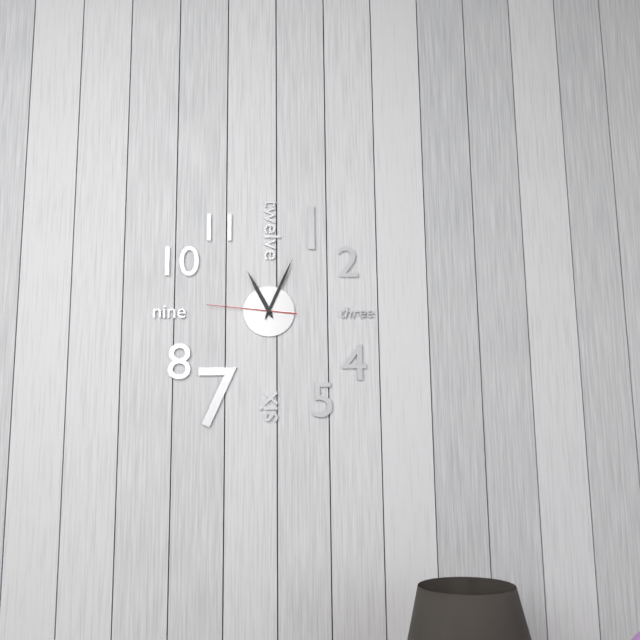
11:04:46
